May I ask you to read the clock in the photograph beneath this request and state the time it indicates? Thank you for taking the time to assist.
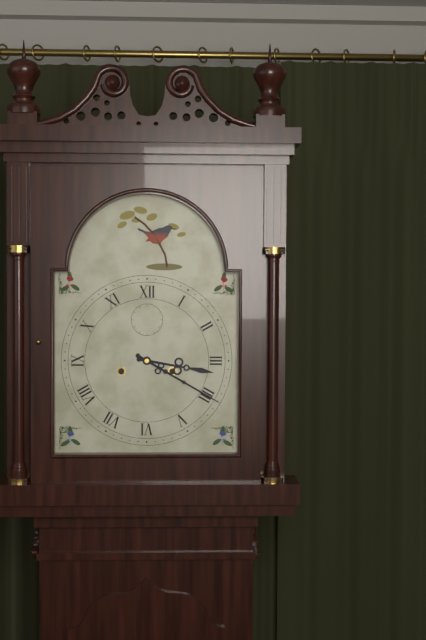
3:20
